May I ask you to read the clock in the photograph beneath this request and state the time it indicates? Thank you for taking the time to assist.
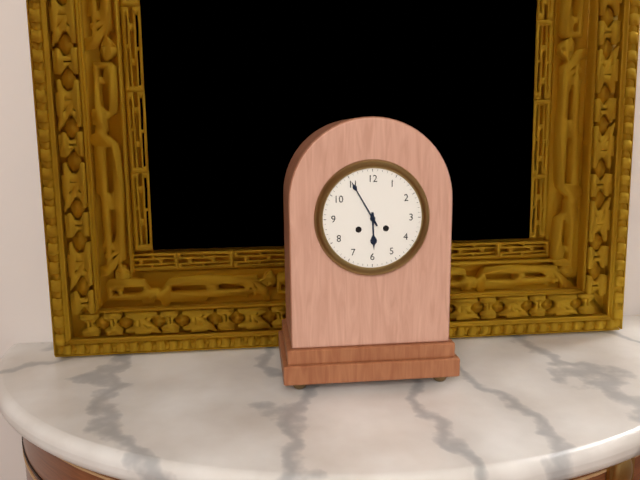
5:55
